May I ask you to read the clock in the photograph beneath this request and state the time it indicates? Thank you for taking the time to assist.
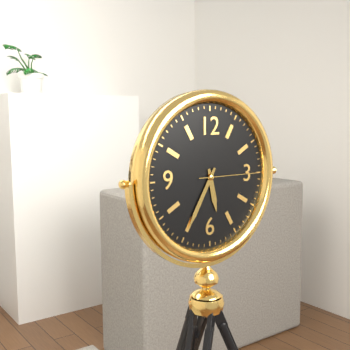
5:35:15
